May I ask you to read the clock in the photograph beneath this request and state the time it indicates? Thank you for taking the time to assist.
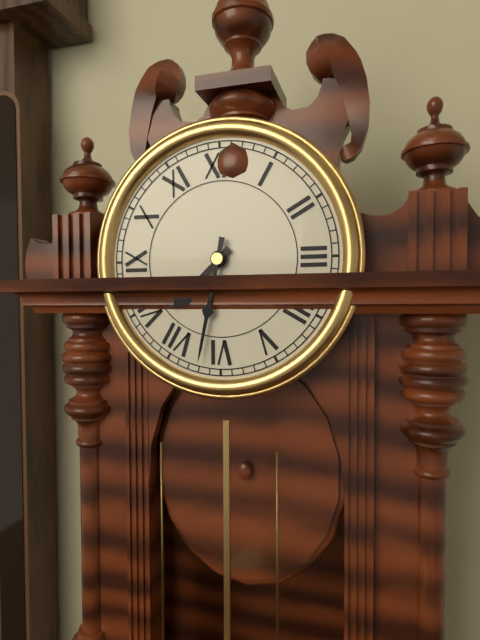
7:32
